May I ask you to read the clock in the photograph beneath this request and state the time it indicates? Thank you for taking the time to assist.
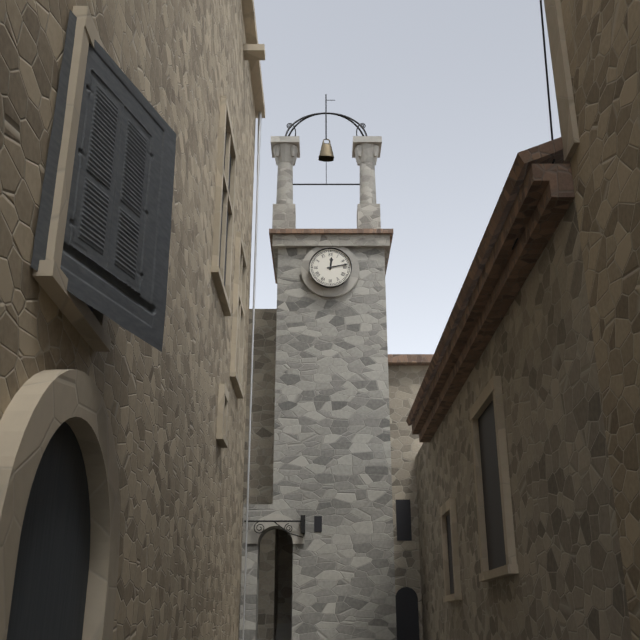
12:13
